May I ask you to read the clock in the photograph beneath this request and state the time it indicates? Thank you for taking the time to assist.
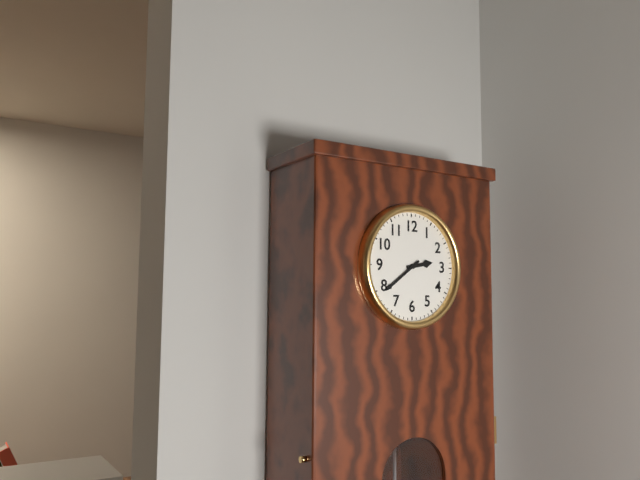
2:39
